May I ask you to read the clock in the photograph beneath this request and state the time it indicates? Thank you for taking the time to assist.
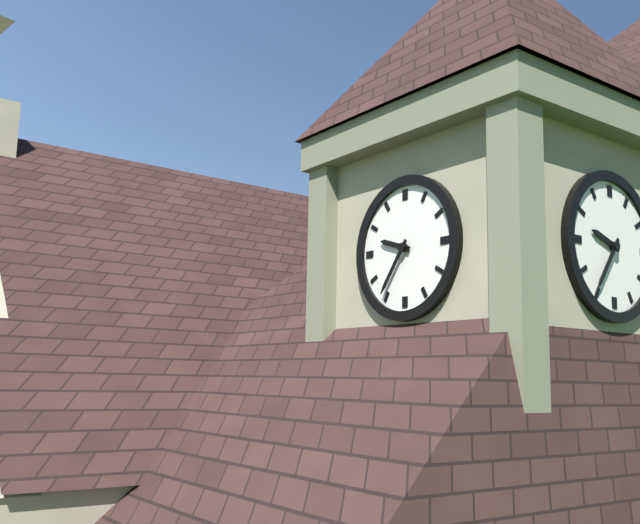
9:36
